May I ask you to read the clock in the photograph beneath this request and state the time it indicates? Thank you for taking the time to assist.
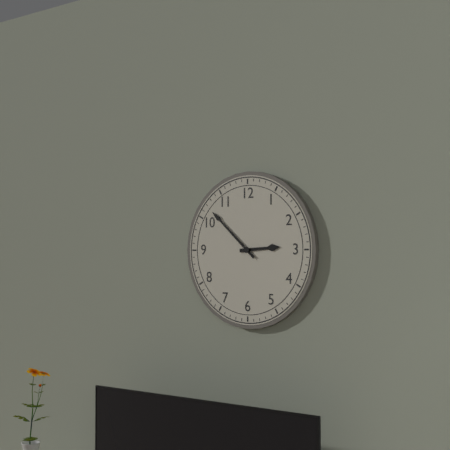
2:52
